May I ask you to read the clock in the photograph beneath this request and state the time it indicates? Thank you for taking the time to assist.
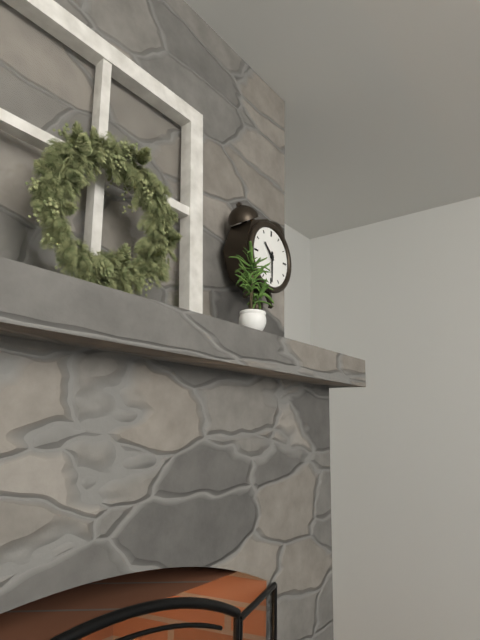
10:30
